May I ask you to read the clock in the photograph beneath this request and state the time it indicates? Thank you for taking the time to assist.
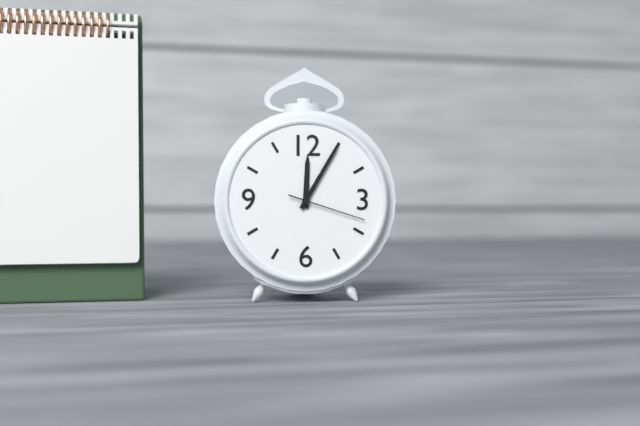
12:05:18
